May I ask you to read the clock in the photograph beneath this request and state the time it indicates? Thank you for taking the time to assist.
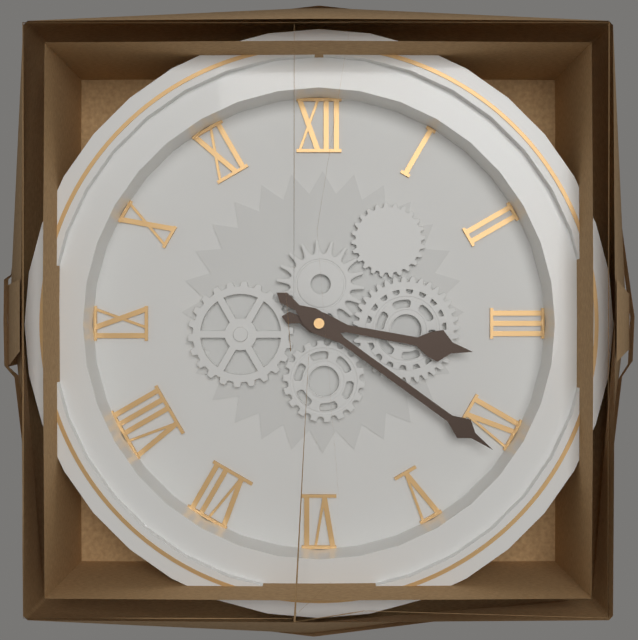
3:21
